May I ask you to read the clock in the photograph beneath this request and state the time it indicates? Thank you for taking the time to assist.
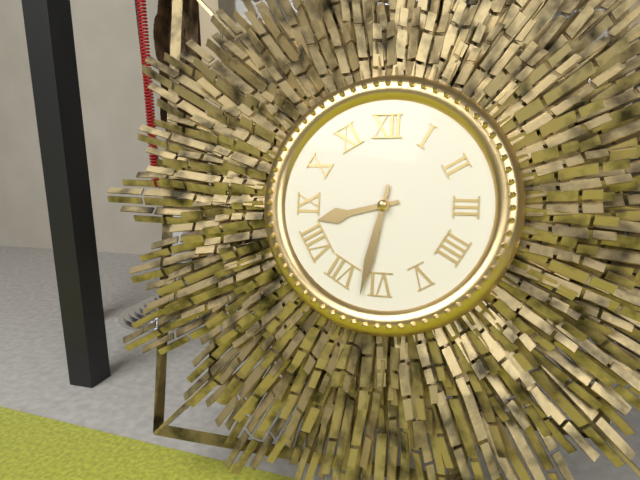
8:32
